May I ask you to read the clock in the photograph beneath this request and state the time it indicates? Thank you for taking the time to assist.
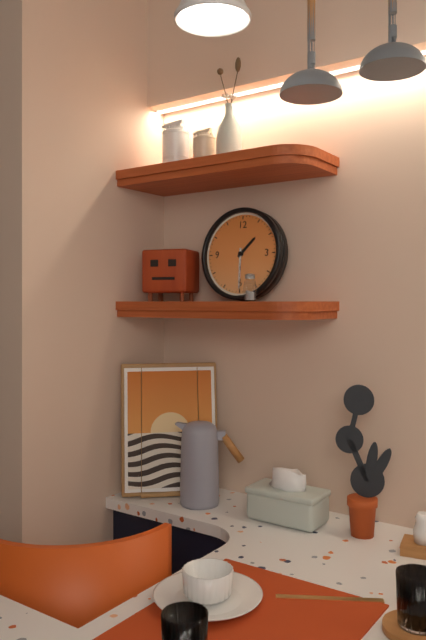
1:30
